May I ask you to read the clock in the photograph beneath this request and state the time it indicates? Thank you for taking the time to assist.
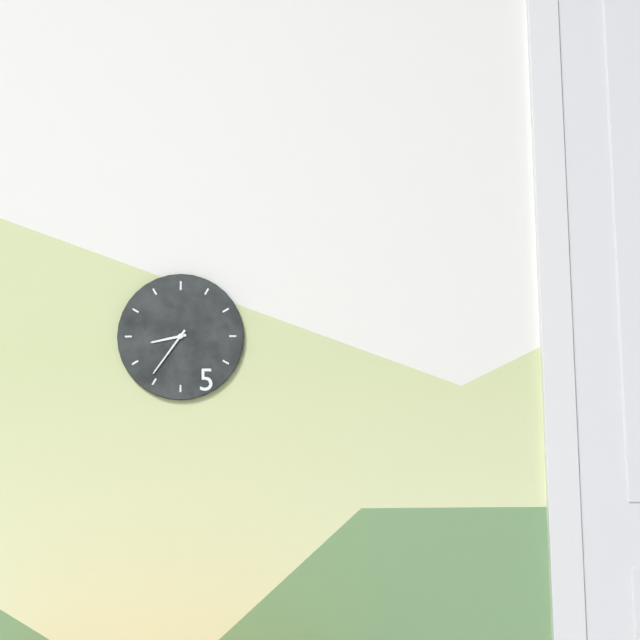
8:36
